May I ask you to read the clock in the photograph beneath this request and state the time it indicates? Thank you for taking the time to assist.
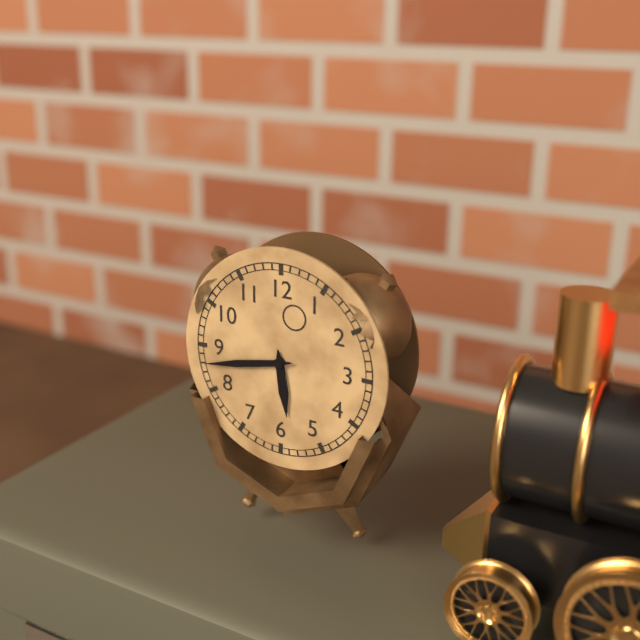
5:43
